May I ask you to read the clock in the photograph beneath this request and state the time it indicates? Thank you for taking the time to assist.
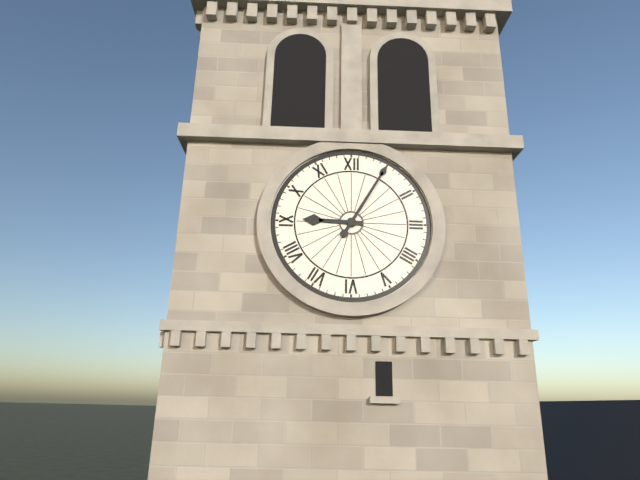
9:05
